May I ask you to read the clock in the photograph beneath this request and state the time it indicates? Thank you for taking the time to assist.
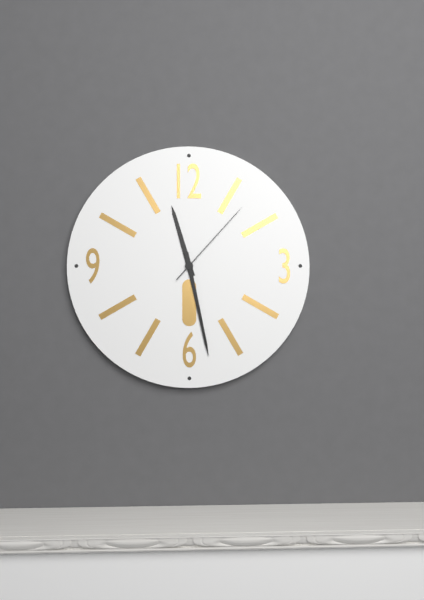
11:28:07
